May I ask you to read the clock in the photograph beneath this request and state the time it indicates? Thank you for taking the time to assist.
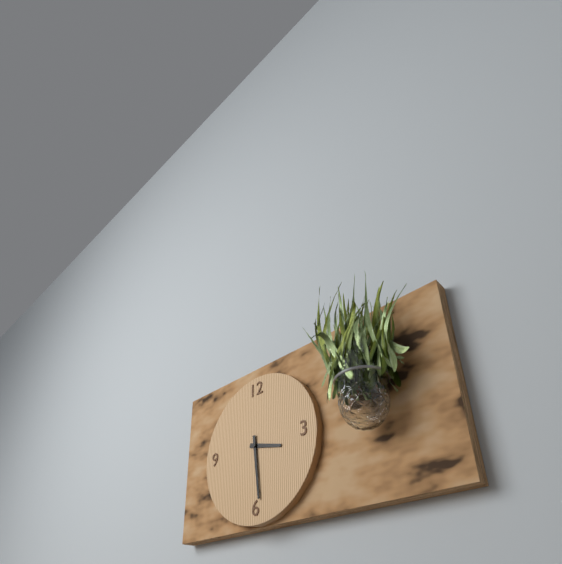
3:29
